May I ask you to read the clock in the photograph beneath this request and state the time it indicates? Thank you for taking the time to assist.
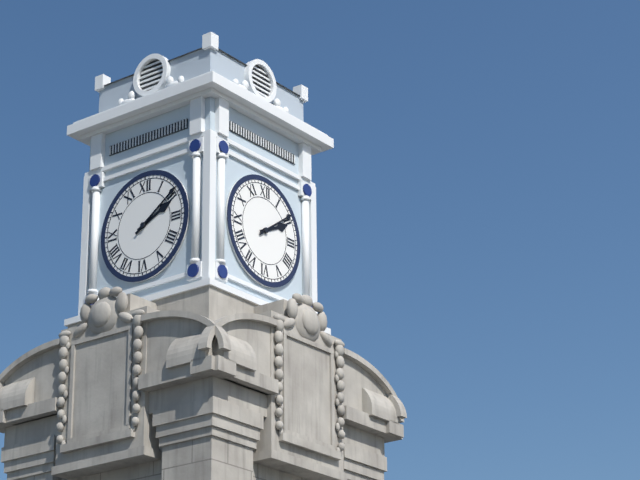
2:09
